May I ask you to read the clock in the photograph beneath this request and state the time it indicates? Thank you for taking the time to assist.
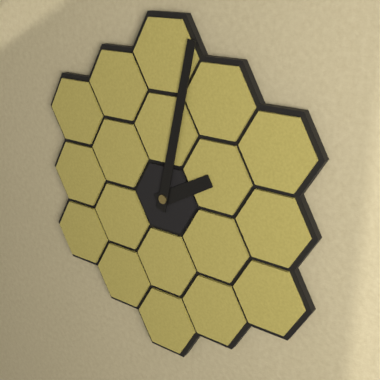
2:02
